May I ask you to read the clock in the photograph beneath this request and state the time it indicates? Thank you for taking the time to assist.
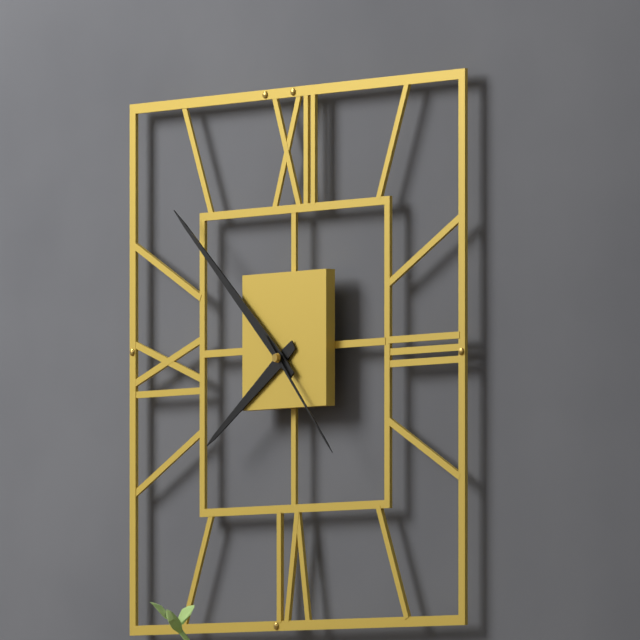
7:52:23
